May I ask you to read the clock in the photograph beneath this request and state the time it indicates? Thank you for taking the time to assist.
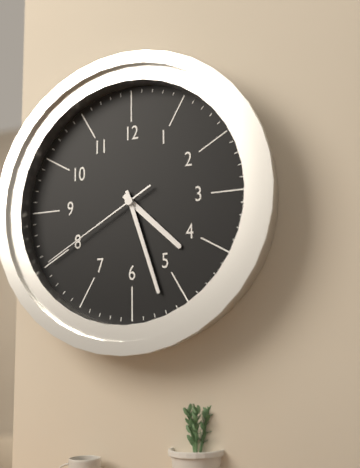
4:27:40
